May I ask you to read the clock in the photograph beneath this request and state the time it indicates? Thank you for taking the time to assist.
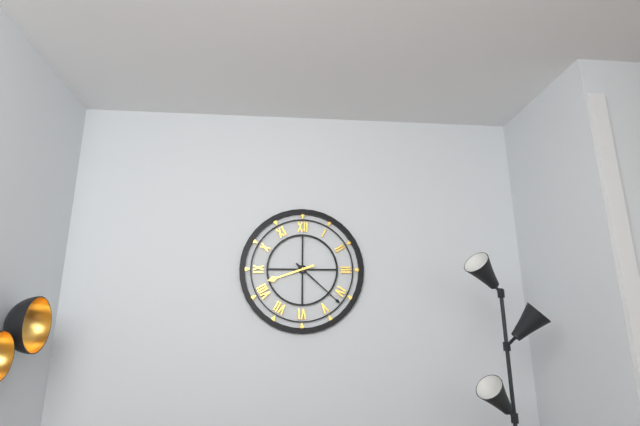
8:22
